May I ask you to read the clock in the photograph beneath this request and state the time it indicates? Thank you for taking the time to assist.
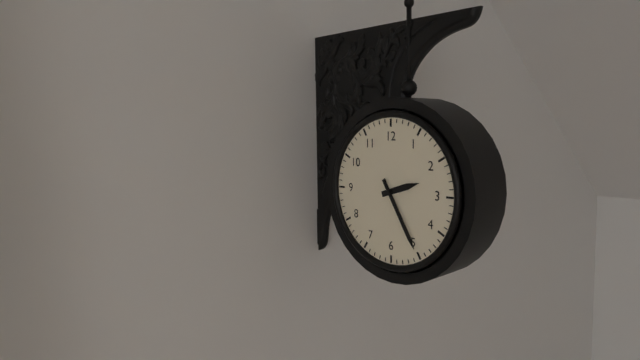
2:25
